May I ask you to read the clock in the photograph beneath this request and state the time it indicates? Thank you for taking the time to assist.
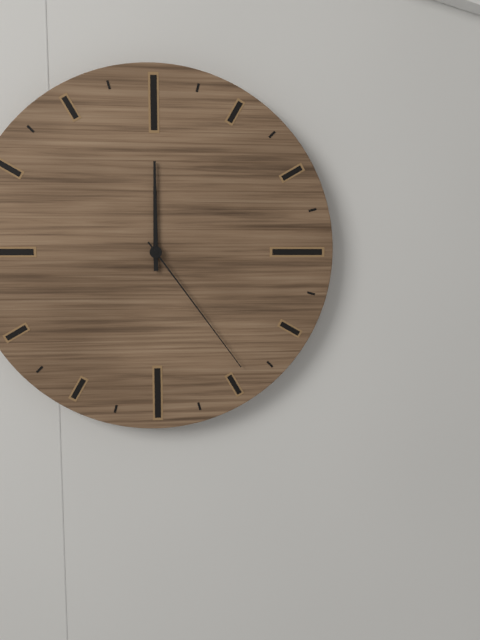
12:00:24
